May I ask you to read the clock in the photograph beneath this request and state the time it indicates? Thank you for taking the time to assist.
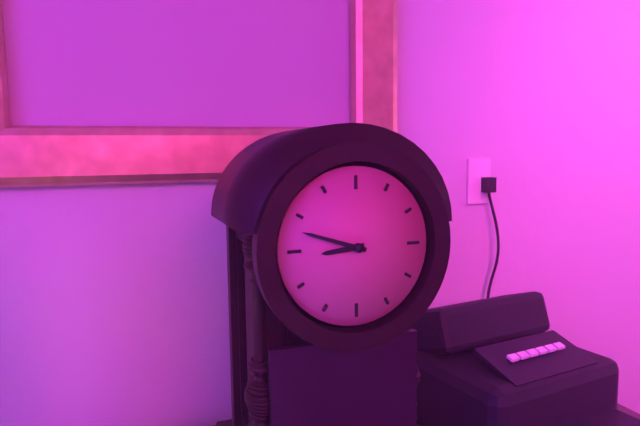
8:48
